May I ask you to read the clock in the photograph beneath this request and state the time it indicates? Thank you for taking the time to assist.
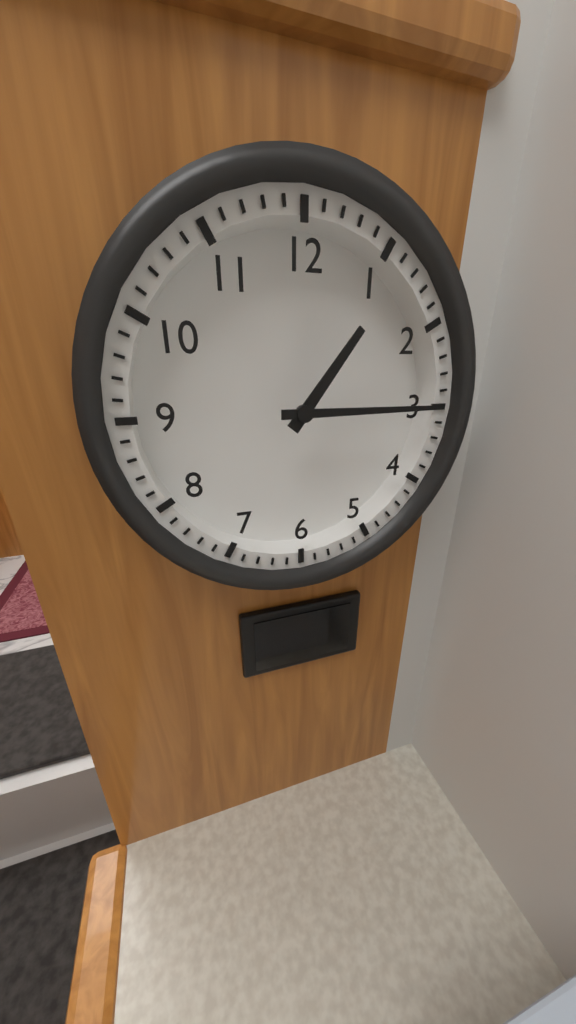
1:15
